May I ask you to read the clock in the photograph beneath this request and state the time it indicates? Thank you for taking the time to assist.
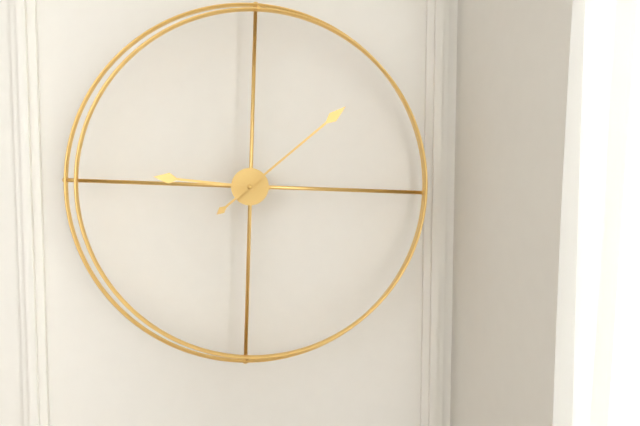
9:08
